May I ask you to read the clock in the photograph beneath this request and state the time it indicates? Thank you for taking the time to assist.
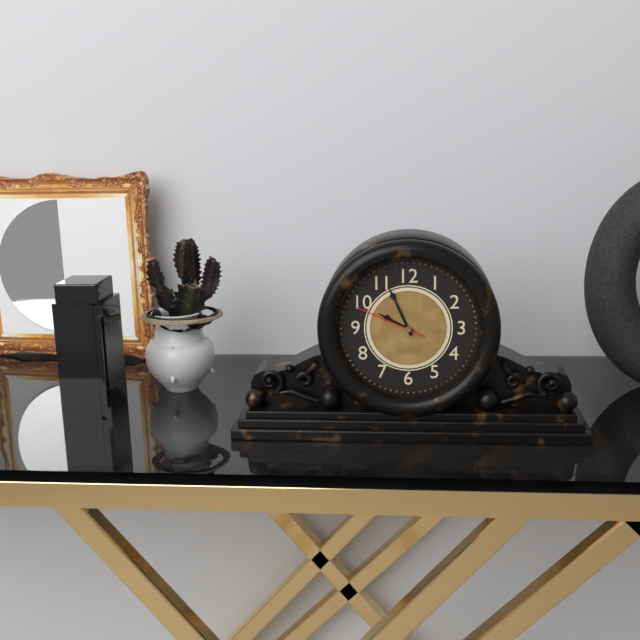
9:56:49
